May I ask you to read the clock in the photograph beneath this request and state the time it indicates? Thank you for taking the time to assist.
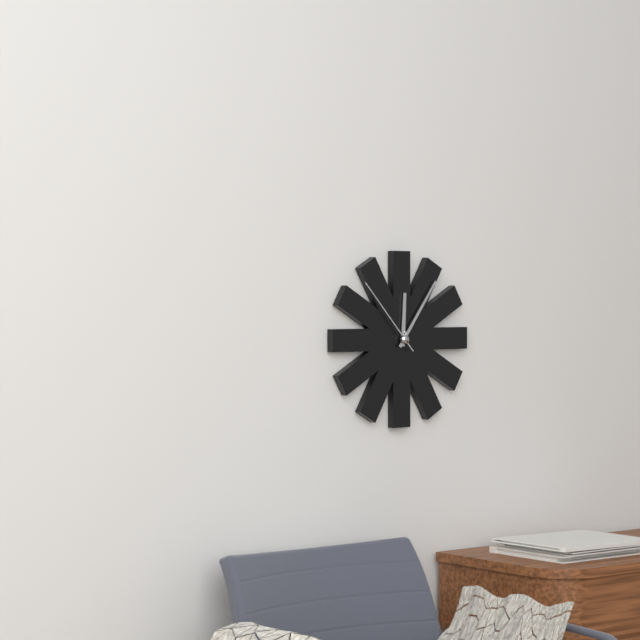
12:06:53
